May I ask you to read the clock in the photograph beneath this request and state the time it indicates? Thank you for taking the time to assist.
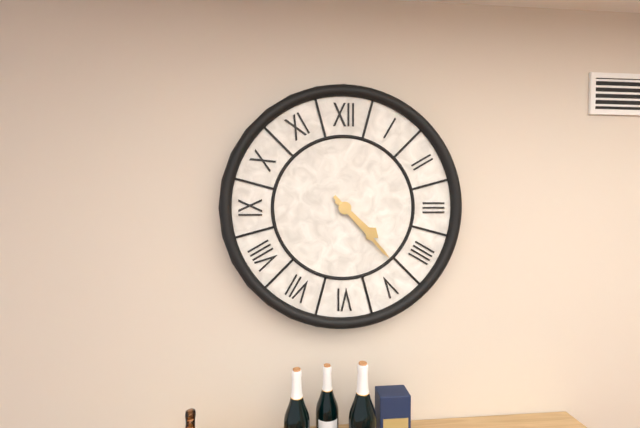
4:23
